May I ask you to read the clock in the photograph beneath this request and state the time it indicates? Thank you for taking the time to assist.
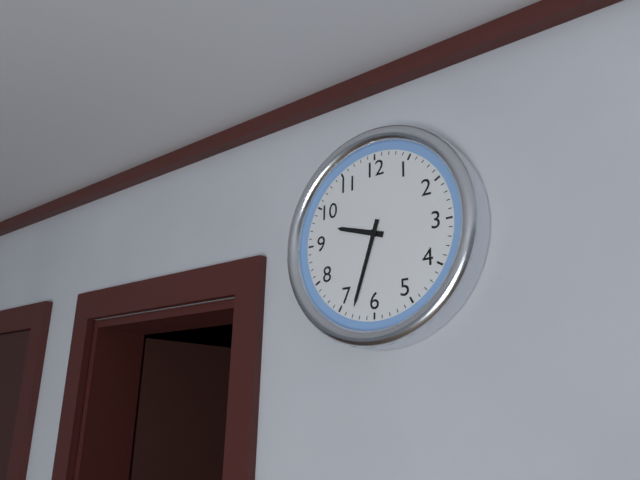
9:33
